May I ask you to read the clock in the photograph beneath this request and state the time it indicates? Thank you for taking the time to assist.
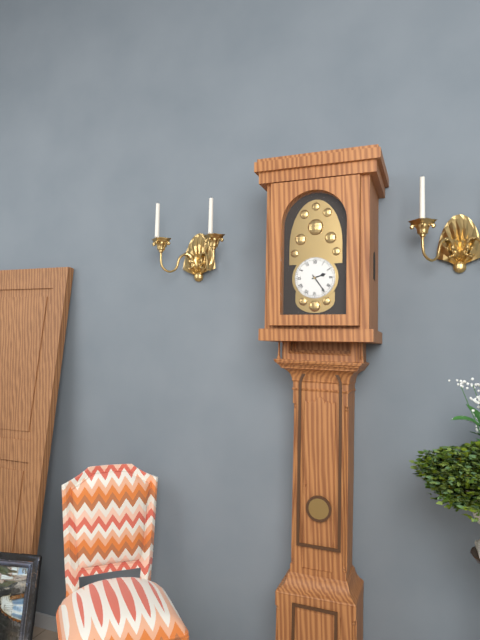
2:24
